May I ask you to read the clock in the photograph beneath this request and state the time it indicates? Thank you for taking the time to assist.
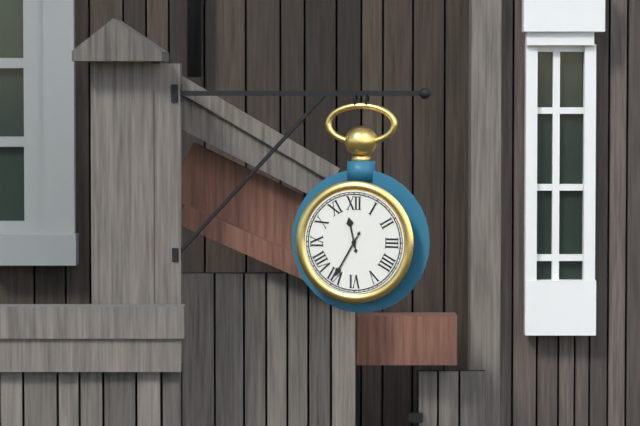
11:35
